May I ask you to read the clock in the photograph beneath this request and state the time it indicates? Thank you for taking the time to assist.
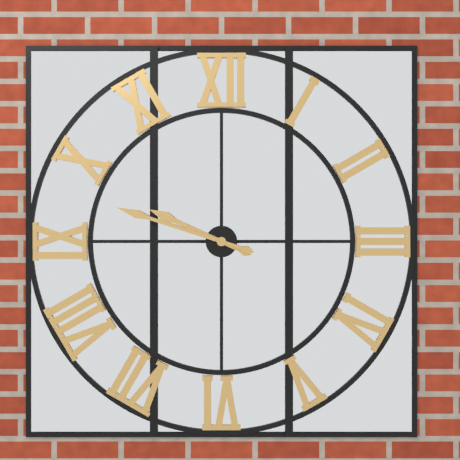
9:48
